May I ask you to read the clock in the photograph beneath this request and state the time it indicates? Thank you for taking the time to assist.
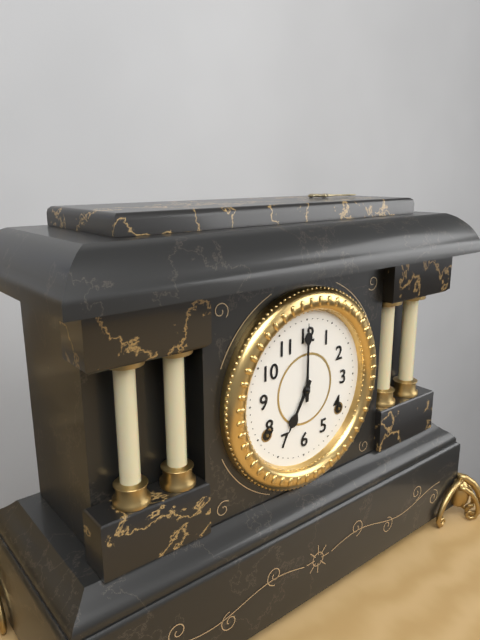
7:00
